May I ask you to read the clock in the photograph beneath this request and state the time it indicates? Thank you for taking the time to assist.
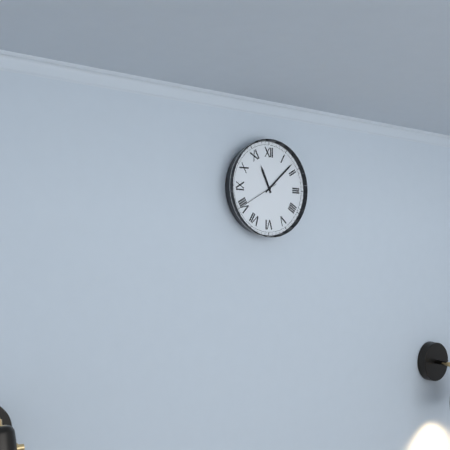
11:08
